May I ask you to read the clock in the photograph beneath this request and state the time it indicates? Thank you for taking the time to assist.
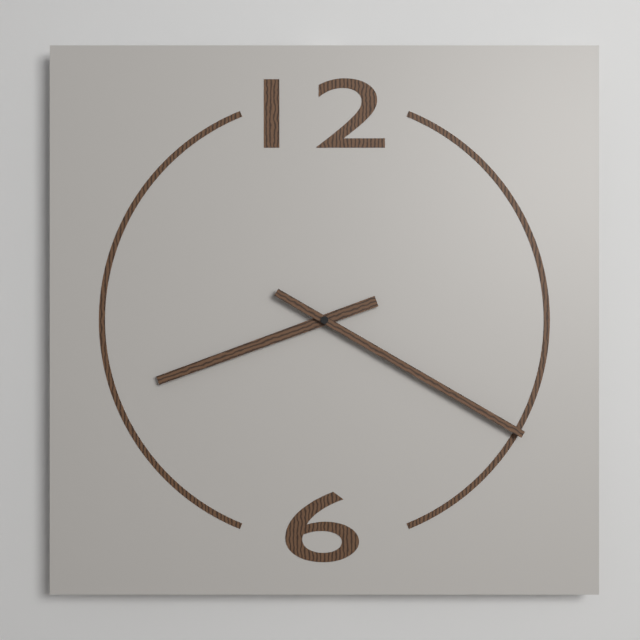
8:20
